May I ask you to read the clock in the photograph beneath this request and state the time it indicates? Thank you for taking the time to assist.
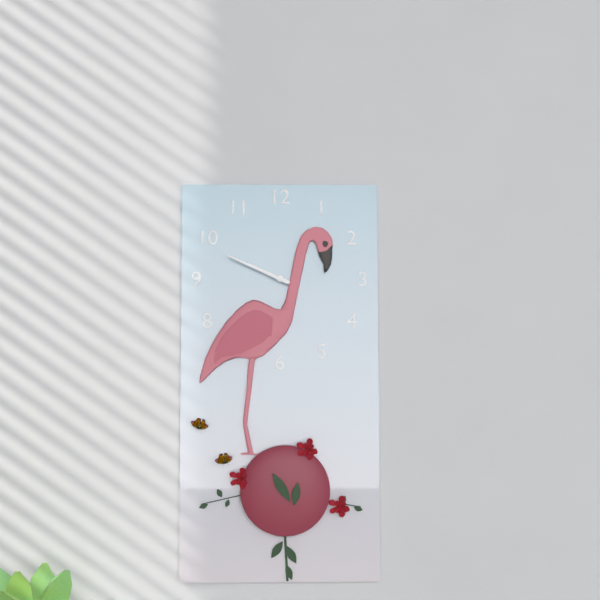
9:49
